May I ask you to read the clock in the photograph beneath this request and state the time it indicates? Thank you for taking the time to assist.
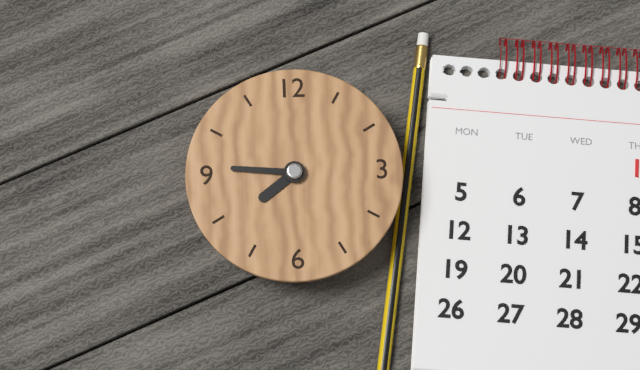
7:46
